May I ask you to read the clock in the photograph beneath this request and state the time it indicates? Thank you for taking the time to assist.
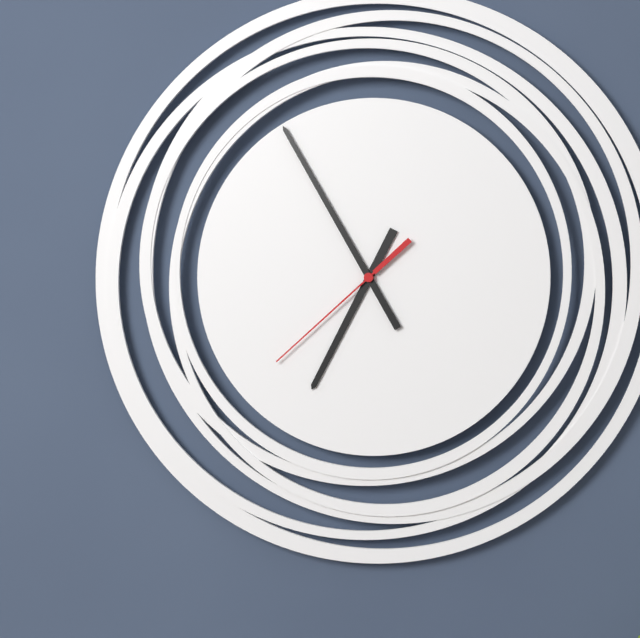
6:55:38
